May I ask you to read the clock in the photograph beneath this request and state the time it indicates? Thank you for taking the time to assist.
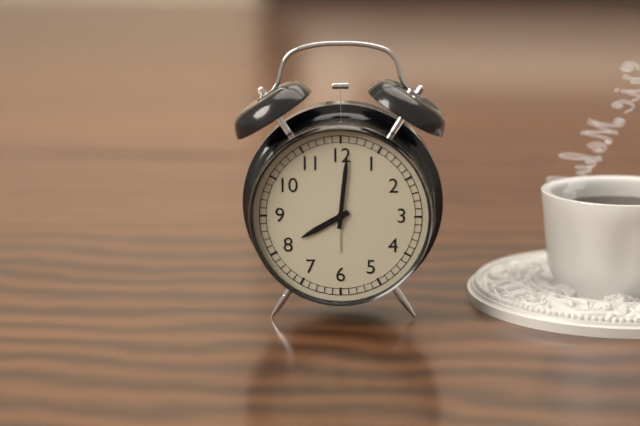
8:01
